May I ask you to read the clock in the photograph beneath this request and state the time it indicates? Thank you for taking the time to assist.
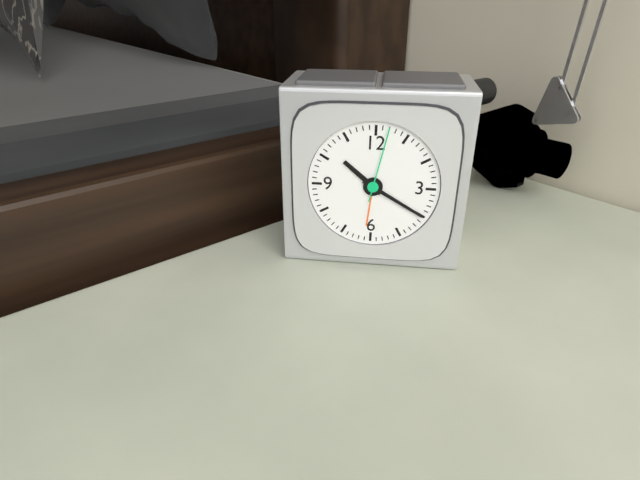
10:20:02
